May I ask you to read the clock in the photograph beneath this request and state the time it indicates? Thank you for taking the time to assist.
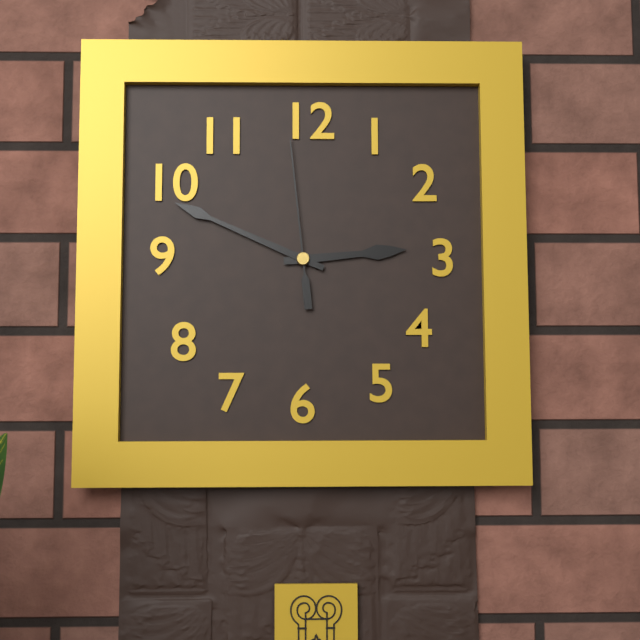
2:49:59
